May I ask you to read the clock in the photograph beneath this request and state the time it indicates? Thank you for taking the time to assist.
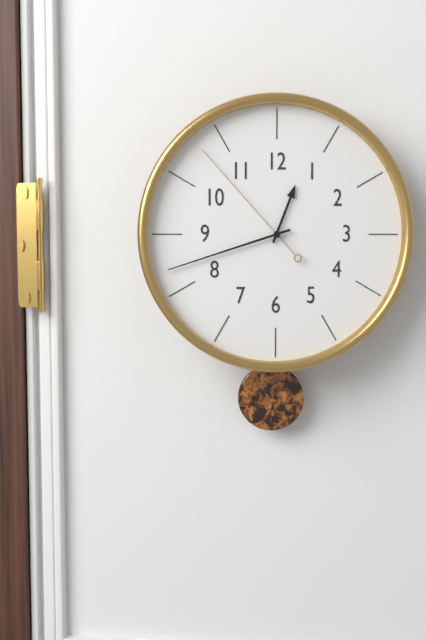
12:42:53
